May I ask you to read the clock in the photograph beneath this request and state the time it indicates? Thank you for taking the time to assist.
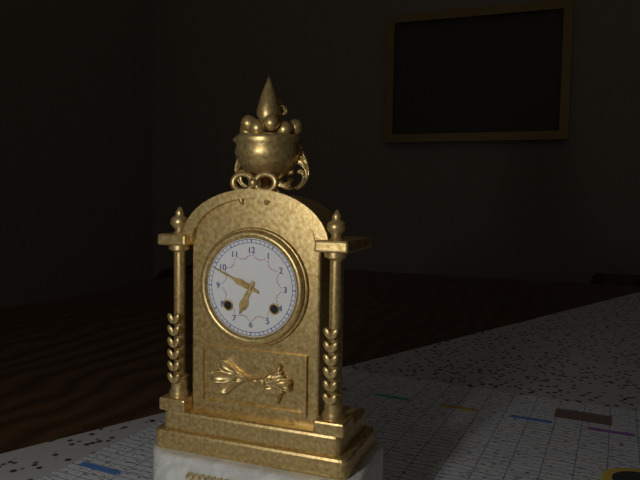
6:49
